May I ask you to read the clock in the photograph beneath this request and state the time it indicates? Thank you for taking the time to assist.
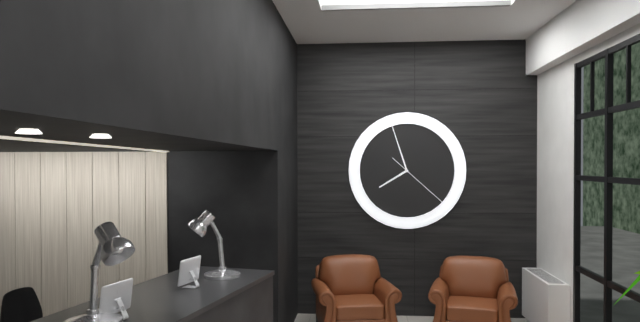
7:57:22
